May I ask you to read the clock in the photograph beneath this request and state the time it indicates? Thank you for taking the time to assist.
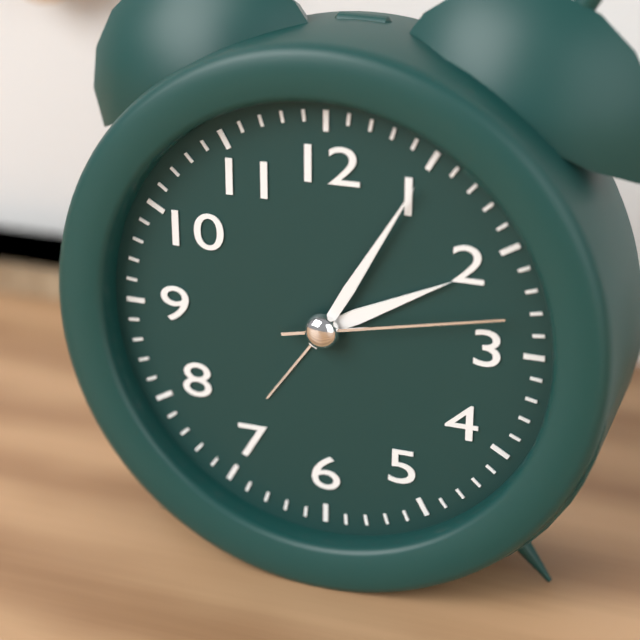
2:05:13
